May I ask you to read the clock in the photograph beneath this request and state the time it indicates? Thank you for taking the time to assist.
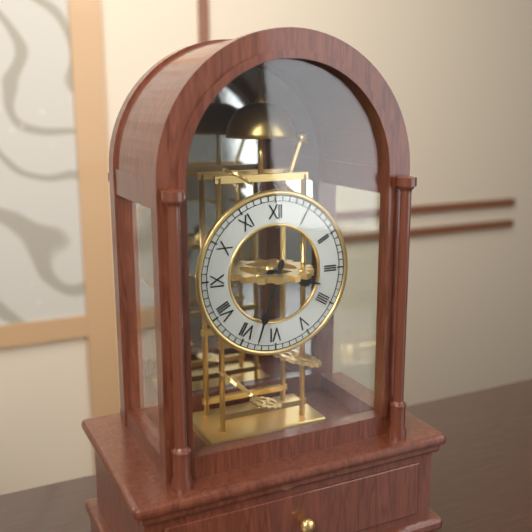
3:33
